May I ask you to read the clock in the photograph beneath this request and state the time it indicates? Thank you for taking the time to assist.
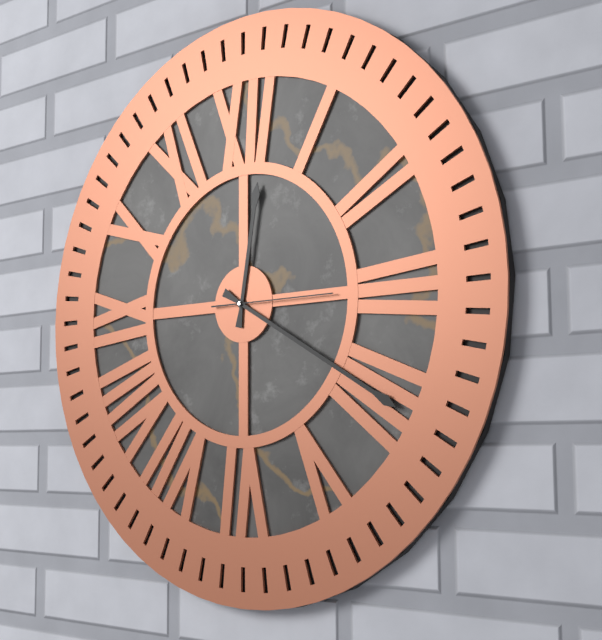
12:20:15
